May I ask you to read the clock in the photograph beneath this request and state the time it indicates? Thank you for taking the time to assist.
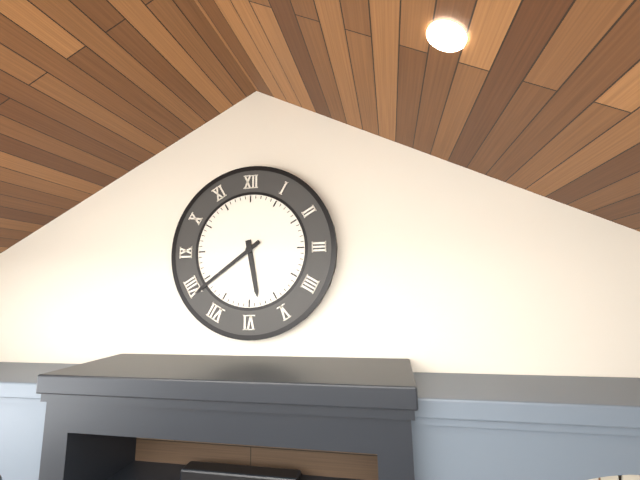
5:39
